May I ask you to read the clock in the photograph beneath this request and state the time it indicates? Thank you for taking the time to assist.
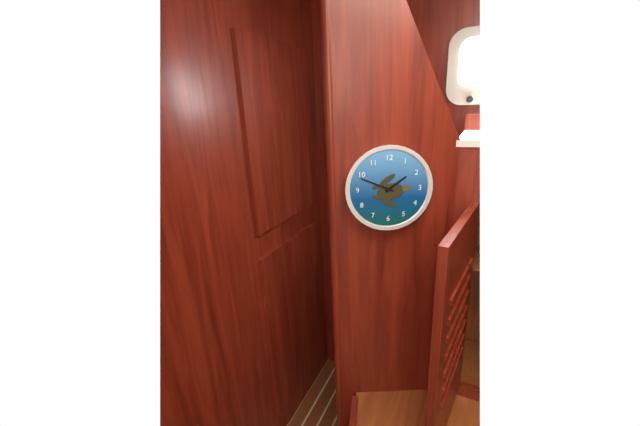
1:49
